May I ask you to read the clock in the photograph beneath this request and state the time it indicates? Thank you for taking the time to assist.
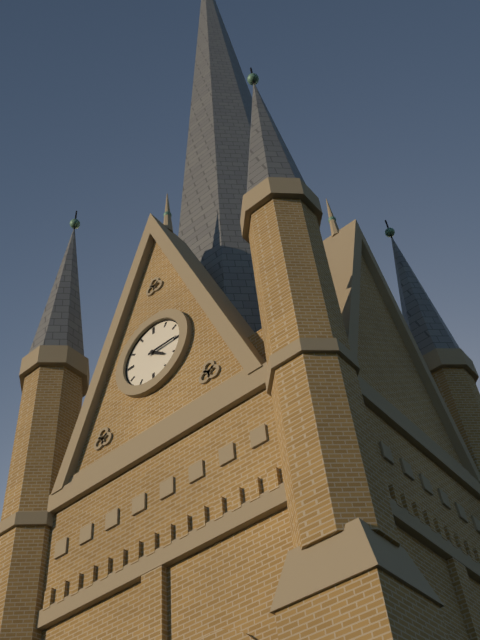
4:15
